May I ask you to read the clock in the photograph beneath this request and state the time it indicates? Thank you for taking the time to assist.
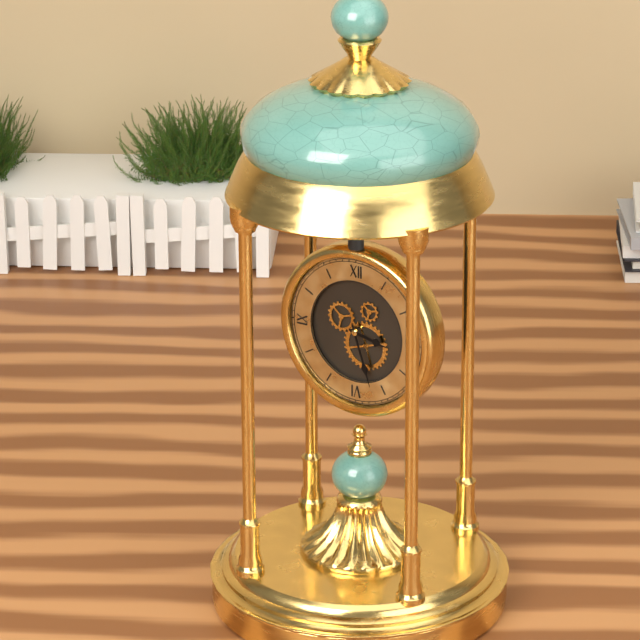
3:27
